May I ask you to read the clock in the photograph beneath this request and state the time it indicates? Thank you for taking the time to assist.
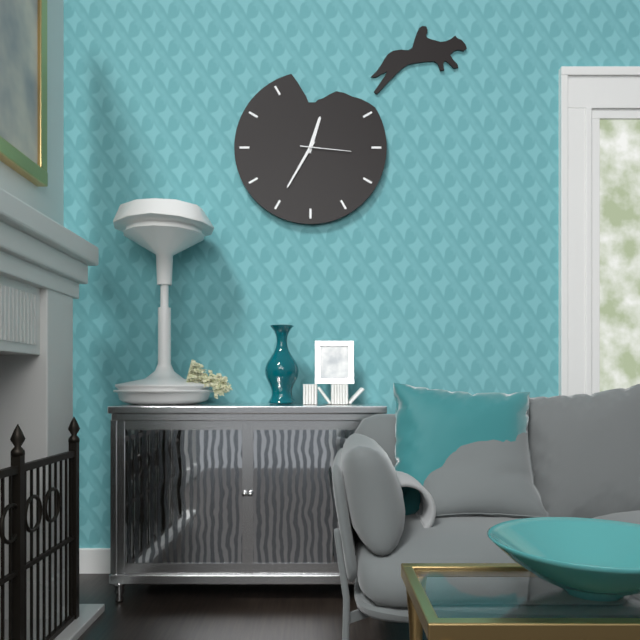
12:35:16
